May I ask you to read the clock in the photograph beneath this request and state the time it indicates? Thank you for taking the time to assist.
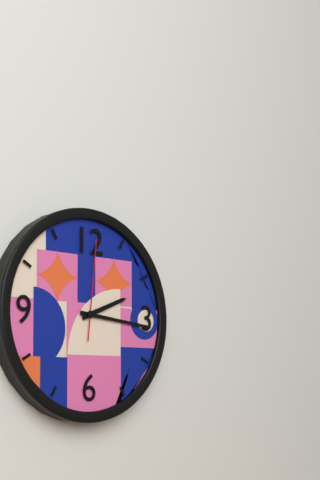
2:16:01
